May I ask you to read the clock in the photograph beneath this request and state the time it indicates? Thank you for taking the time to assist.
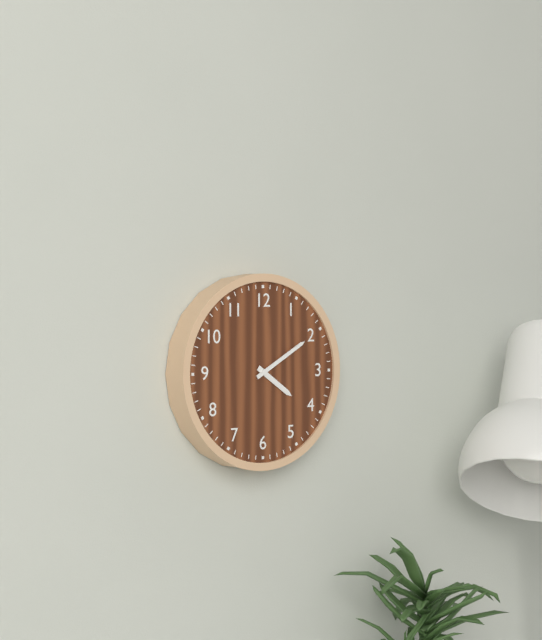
4:10
